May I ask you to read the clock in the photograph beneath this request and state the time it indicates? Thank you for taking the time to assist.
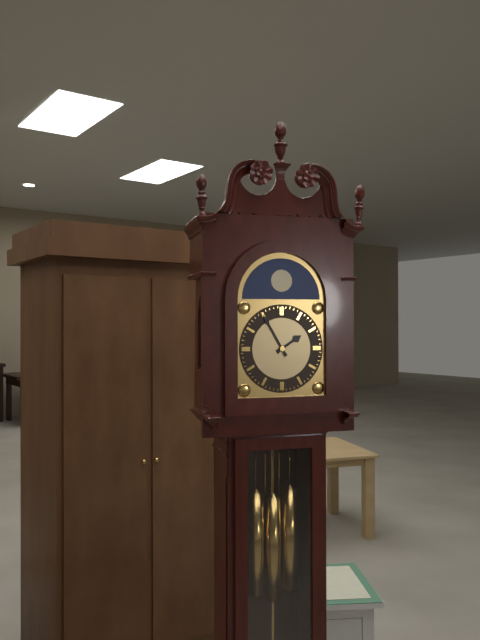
1:55
